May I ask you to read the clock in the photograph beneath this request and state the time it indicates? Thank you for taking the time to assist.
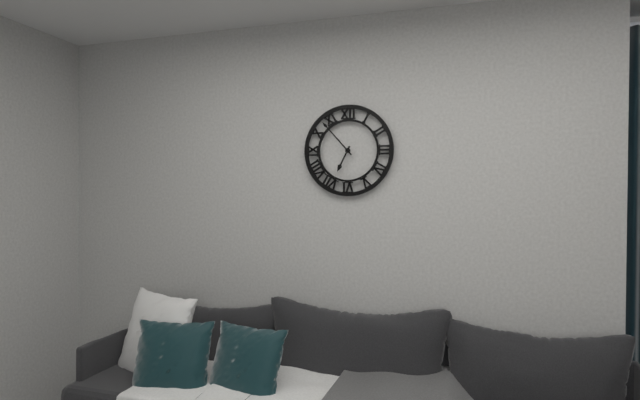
6:53
